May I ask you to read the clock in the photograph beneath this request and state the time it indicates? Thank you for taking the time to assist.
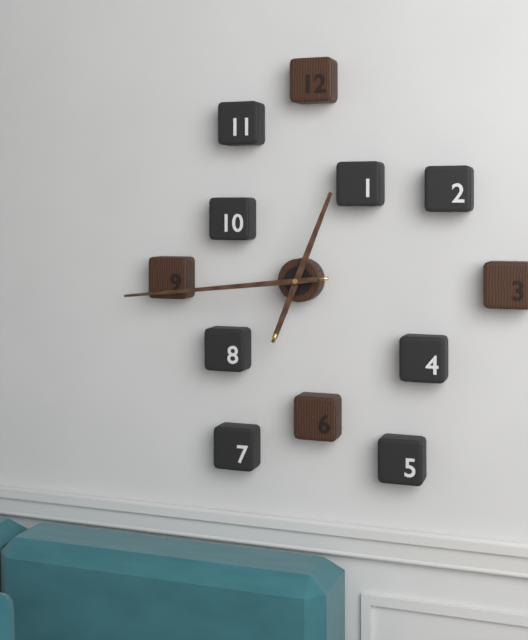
12:44
